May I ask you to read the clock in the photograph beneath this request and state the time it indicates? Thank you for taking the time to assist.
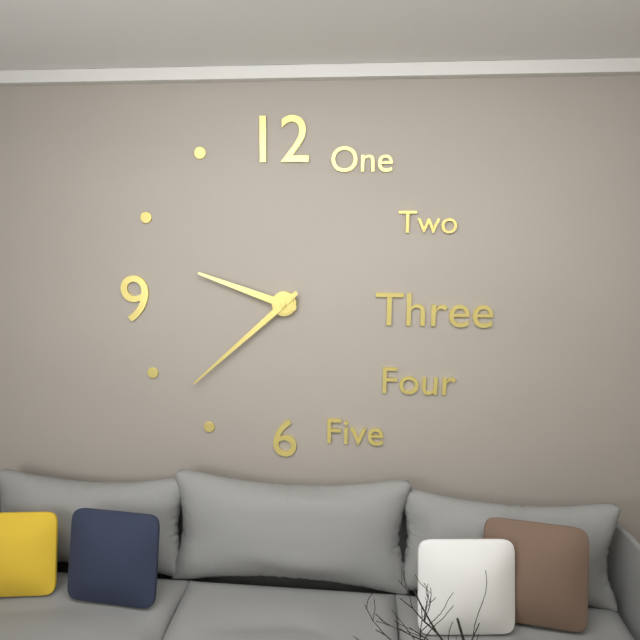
9:38
